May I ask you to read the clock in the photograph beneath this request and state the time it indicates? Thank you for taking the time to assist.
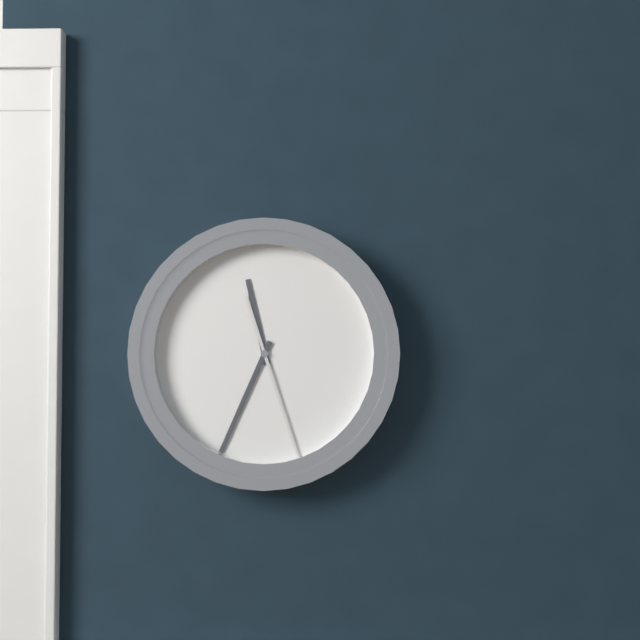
11:34:27
